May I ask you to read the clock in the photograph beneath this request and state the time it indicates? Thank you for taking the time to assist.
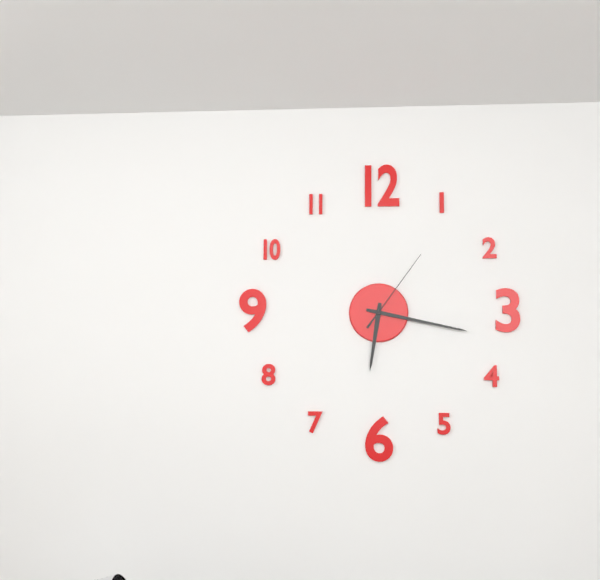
6:17:06
